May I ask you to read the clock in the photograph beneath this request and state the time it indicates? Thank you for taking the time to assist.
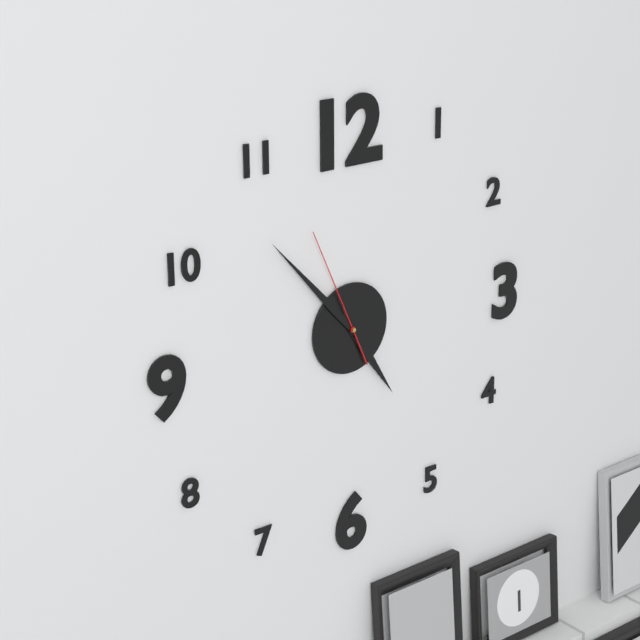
4:53:56
